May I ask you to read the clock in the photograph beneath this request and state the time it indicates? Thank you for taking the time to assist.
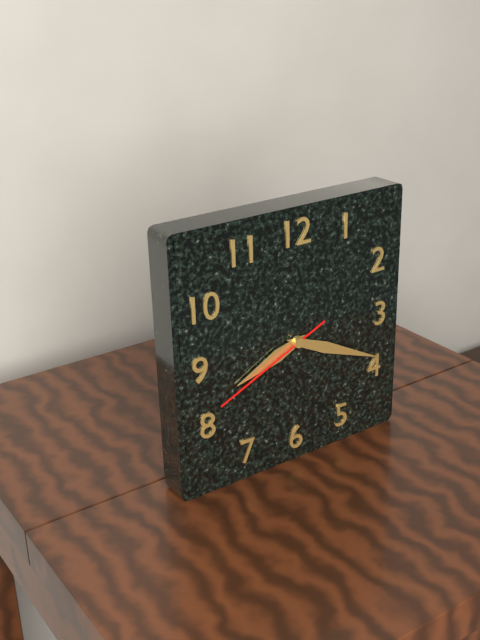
8:19:41
